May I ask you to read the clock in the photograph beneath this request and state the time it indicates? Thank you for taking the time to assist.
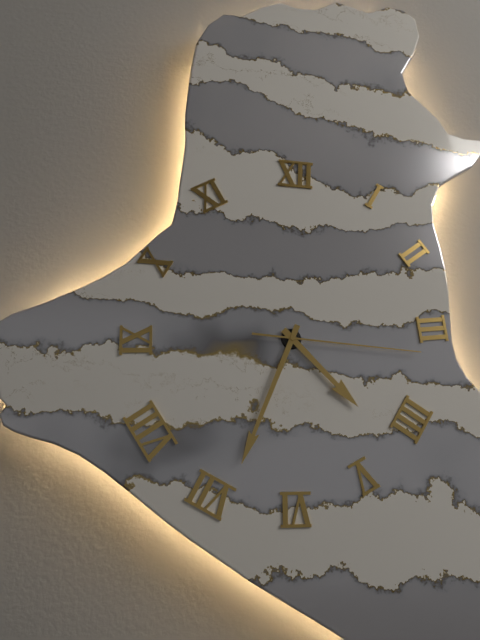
4:34:16
